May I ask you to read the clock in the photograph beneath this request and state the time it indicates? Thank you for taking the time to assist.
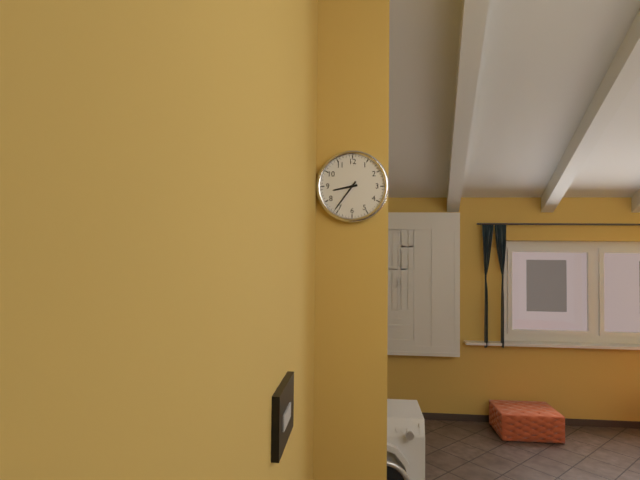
8:36
